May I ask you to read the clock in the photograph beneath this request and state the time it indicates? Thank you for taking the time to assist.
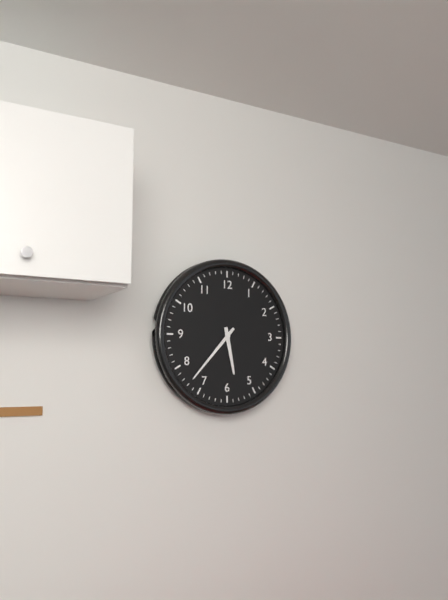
5:37
